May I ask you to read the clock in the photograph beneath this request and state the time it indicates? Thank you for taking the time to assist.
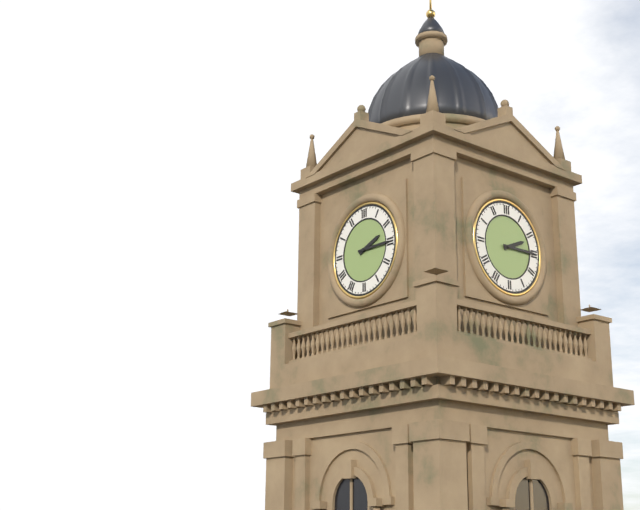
2:15
